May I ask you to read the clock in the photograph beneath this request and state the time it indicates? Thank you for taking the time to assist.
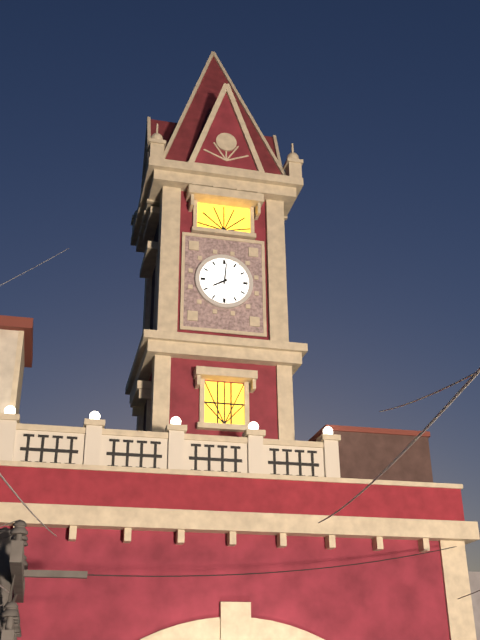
8:01
